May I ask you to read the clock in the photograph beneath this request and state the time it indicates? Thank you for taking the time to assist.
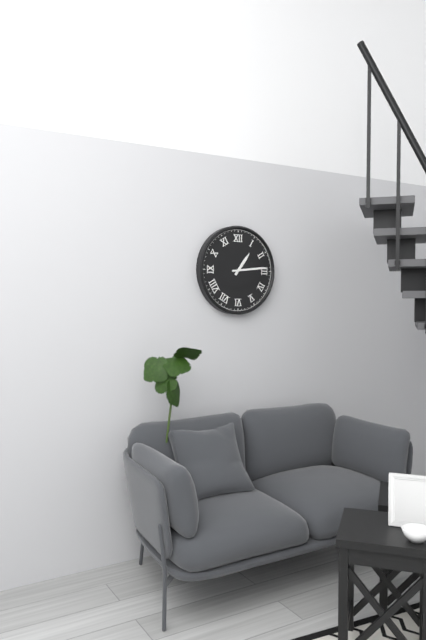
1:14
